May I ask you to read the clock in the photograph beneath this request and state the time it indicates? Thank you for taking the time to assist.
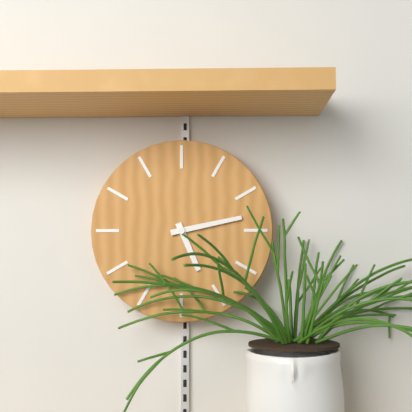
5:13
